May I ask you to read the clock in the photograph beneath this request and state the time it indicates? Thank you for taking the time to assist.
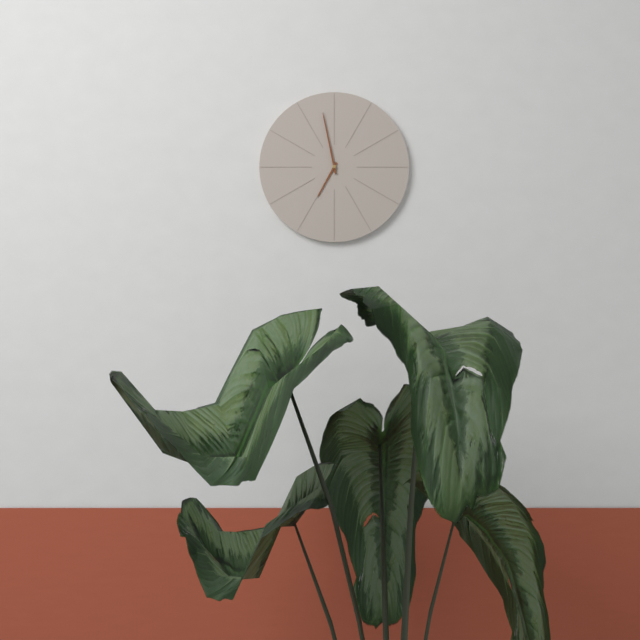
6:58
